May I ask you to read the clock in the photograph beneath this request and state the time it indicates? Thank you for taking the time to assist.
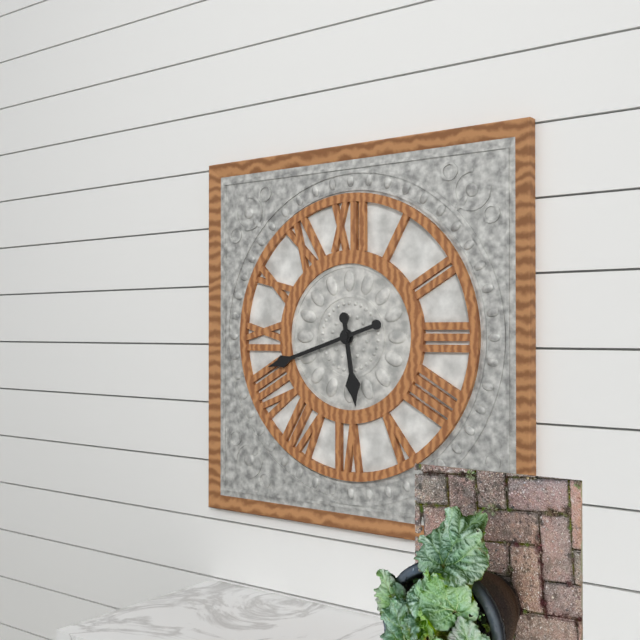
5:42
